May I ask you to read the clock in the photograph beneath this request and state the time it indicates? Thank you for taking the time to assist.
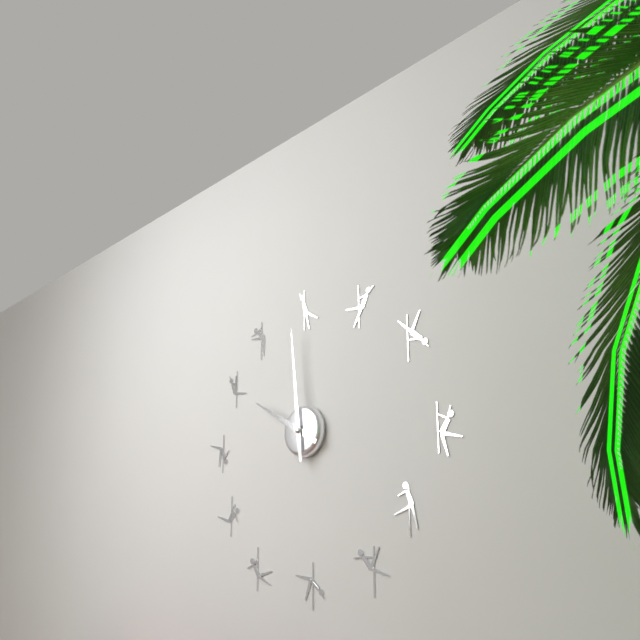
9:59
